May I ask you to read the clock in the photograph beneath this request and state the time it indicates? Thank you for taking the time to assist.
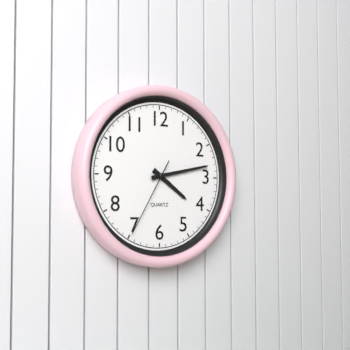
4:13:35
